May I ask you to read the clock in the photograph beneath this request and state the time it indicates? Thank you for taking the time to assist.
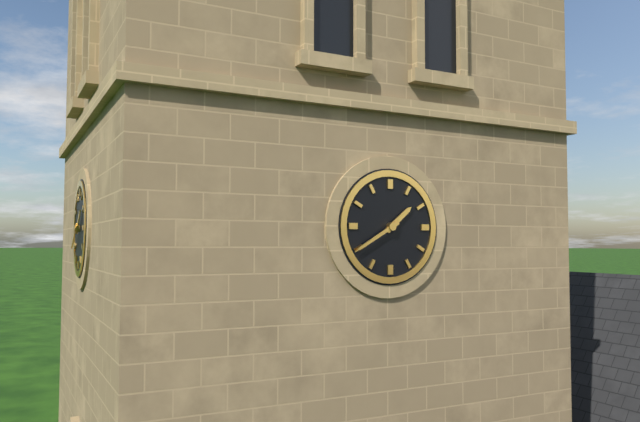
1:40
